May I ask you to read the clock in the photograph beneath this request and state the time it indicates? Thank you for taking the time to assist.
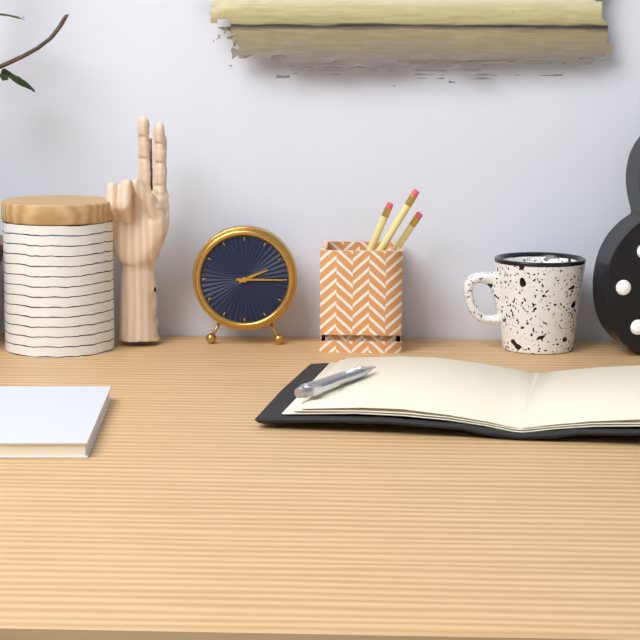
2:15
